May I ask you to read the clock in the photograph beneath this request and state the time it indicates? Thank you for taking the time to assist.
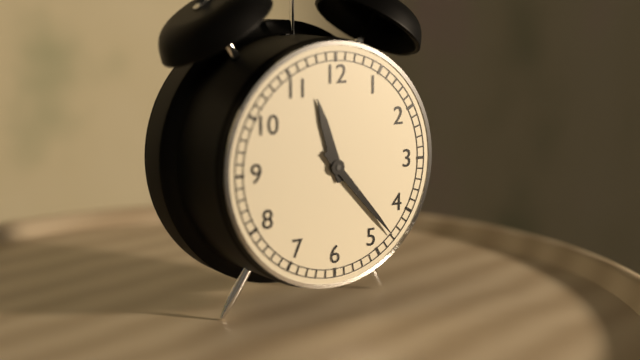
11:23
